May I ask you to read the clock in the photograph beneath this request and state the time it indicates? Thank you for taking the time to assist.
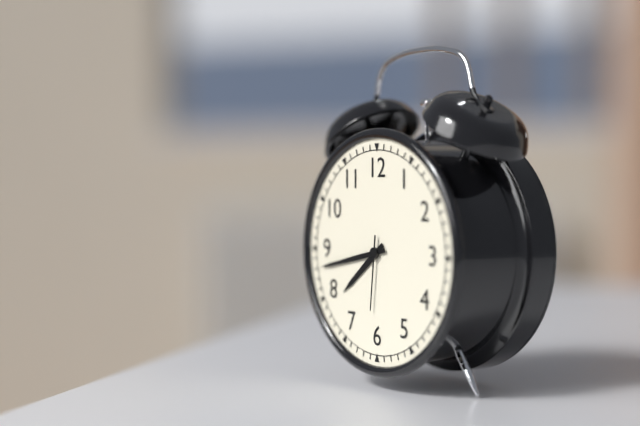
7:43:31
